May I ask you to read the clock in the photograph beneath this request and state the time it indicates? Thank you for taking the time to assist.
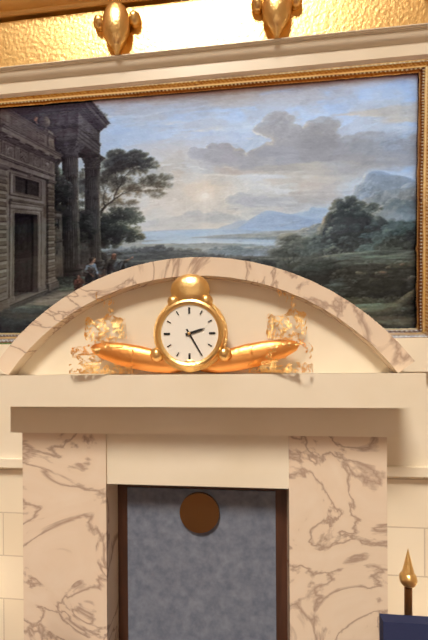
2:25
